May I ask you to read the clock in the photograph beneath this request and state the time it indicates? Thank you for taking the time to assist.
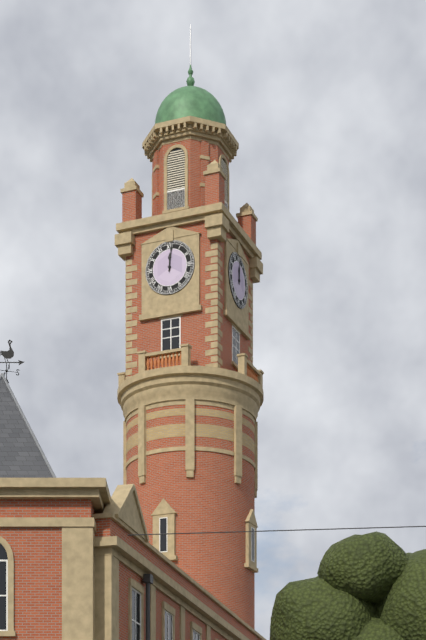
12:01
